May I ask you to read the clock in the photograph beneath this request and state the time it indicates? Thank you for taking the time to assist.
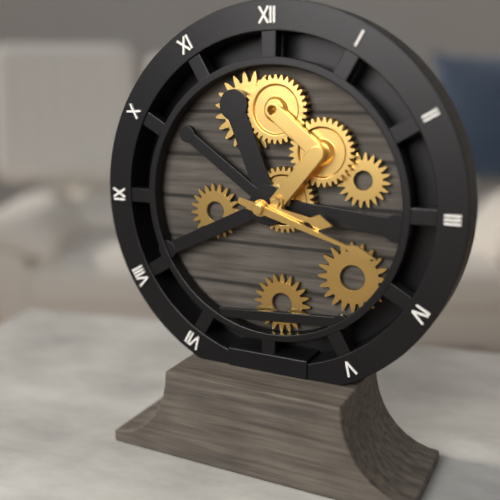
3:18
